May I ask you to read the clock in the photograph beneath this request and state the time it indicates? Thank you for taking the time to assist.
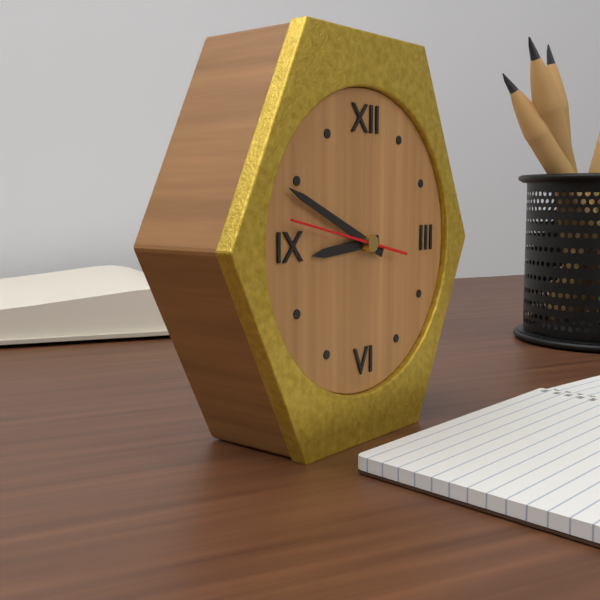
8:49
